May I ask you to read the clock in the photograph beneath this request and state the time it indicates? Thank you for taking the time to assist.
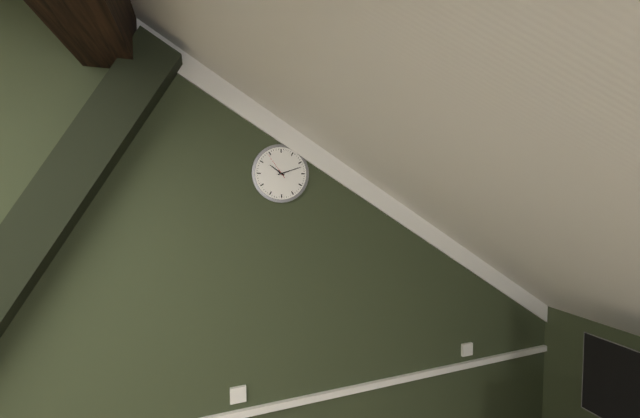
10:12
